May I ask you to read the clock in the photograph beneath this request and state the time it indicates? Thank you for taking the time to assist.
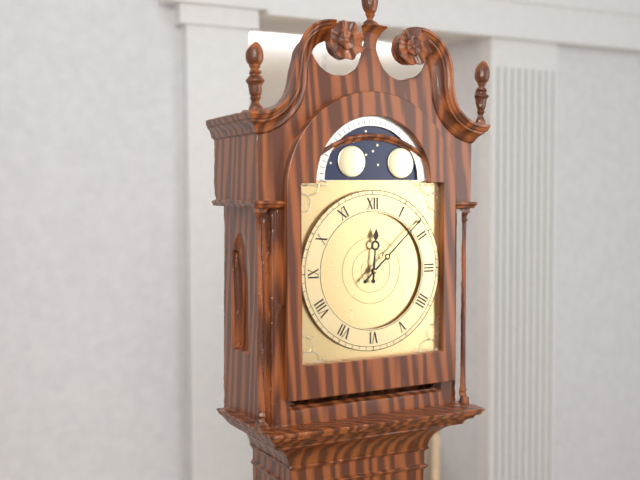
12:08
